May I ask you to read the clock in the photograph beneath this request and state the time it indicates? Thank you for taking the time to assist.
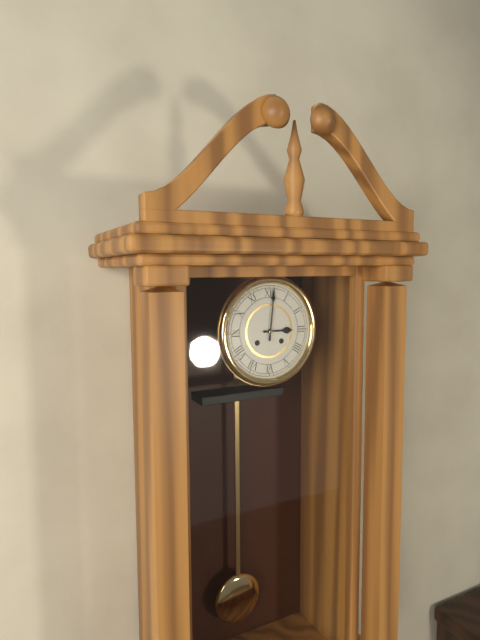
3:01
